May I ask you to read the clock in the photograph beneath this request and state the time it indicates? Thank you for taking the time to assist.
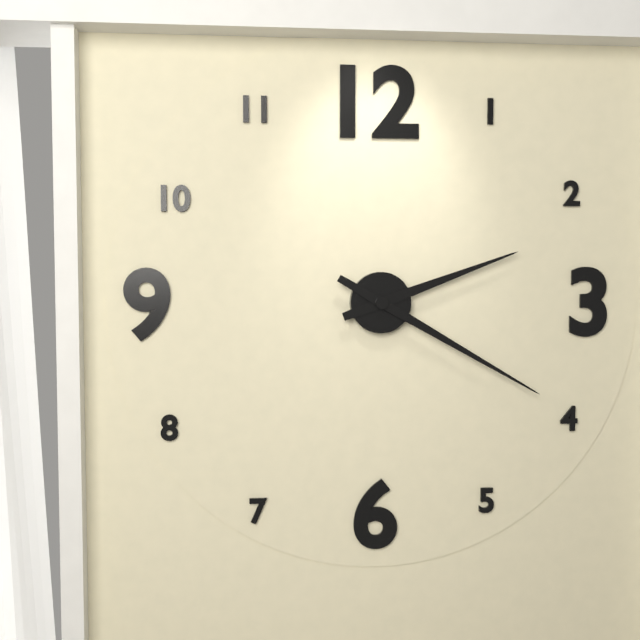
2:20
